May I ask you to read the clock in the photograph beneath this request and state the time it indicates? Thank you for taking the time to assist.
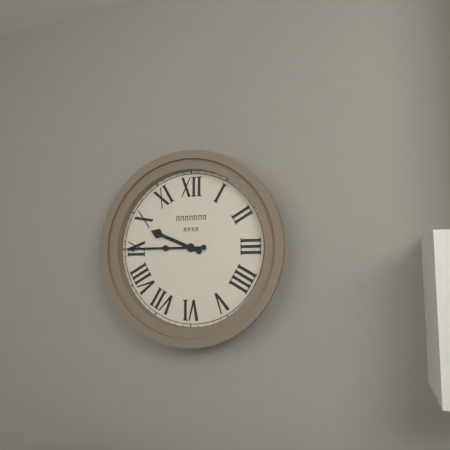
9:45
